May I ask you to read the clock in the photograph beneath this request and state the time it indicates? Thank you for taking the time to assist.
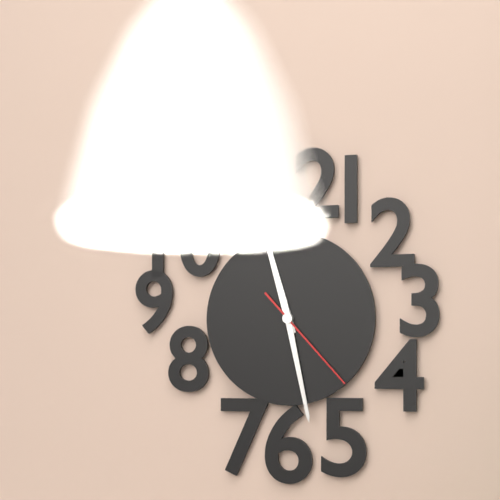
11:28:23
